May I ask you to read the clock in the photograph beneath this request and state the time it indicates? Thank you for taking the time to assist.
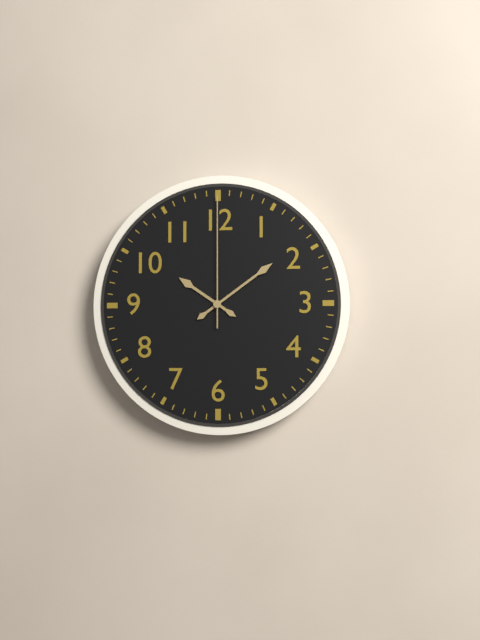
10:09:00
